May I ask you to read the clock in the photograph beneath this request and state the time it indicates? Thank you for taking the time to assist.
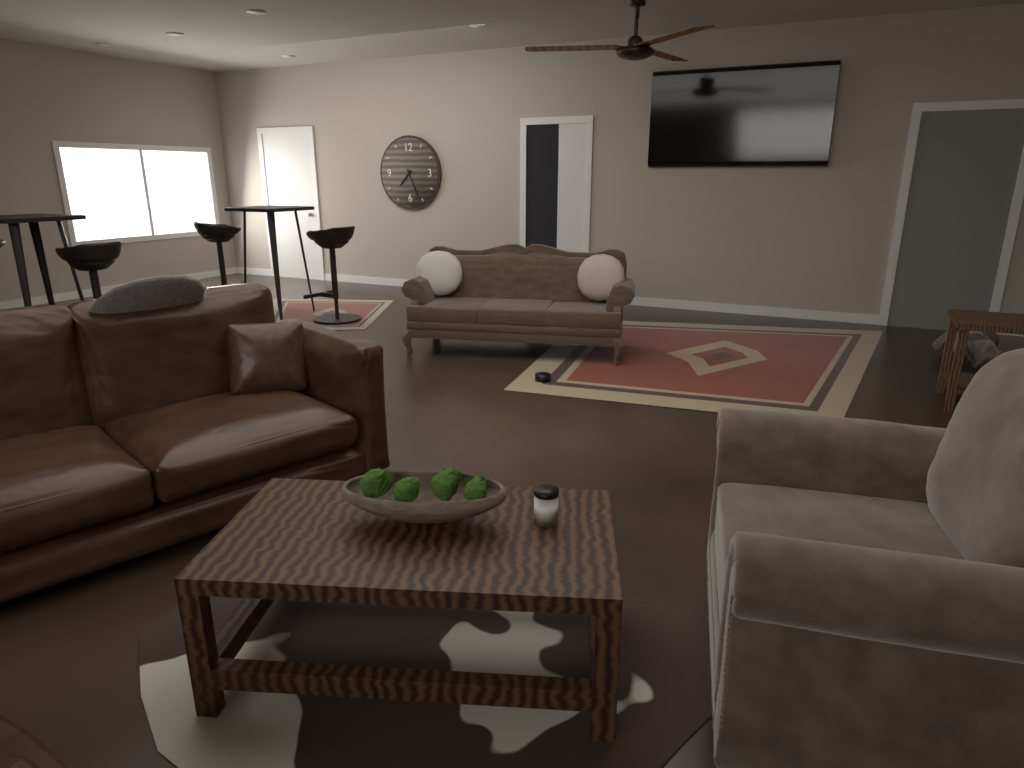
7:26
